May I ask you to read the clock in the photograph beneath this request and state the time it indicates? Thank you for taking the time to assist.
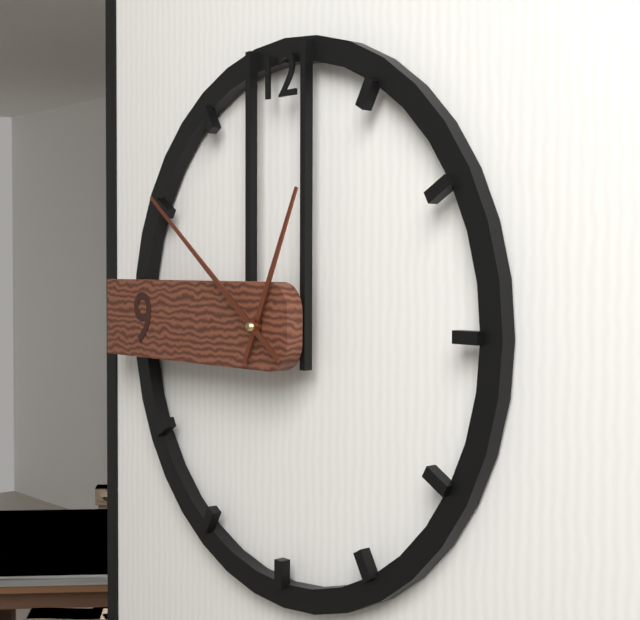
12:51
